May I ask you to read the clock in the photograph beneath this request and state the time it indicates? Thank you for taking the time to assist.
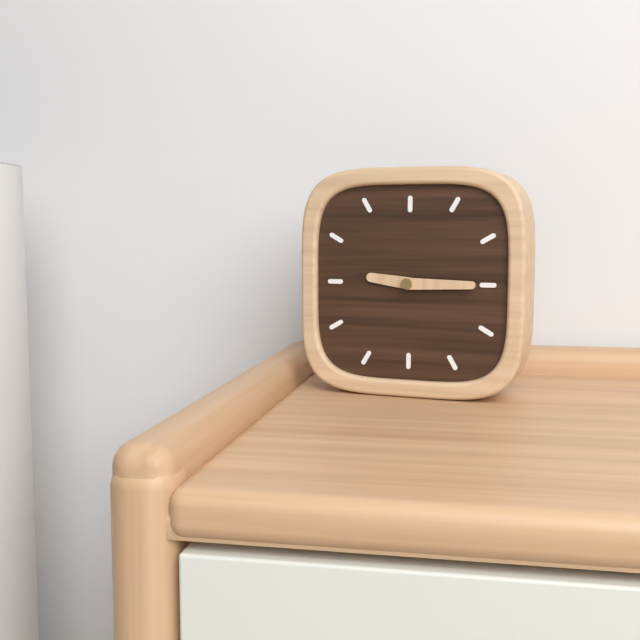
9:15
